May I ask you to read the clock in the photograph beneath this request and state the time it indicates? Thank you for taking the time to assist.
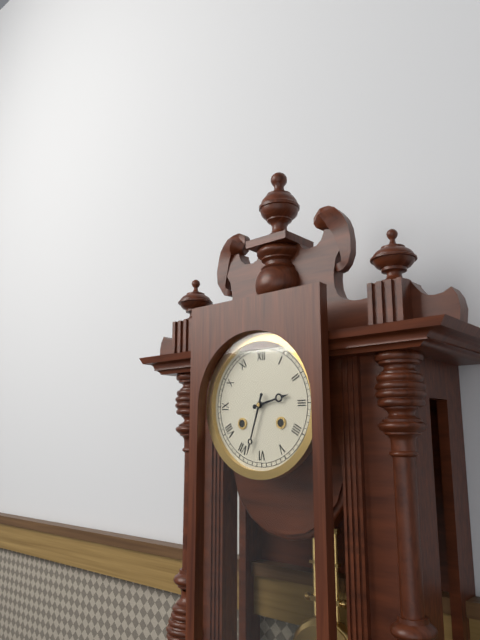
2:33
